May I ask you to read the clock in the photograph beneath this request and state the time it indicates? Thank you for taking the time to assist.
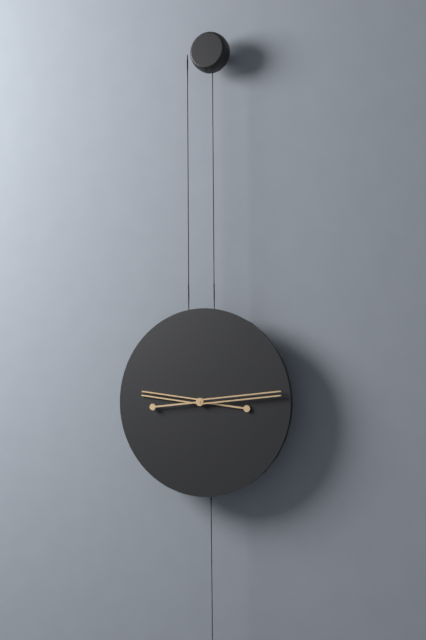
9:14
